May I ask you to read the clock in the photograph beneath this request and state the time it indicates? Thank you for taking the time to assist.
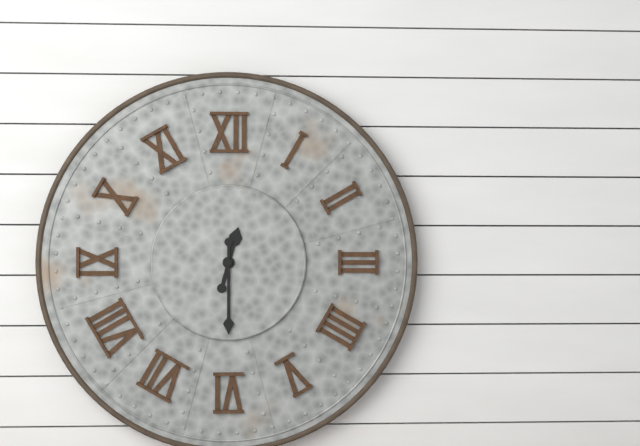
12:30
